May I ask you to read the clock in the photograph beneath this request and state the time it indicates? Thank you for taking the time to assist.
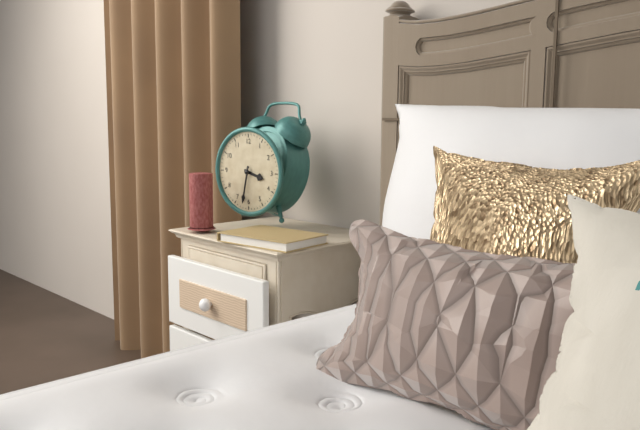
3:32
